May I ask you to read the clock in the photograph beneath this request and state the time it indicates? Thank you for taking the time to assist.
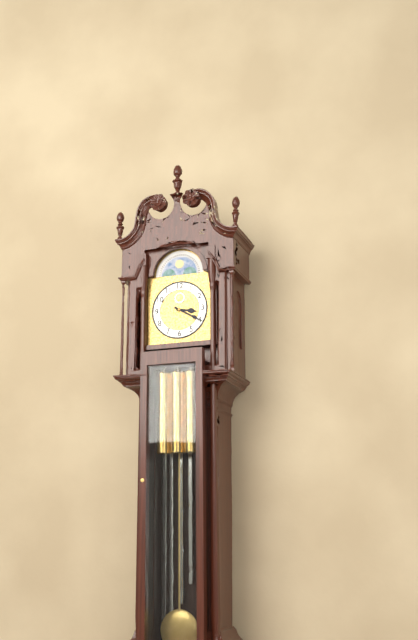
3:20
